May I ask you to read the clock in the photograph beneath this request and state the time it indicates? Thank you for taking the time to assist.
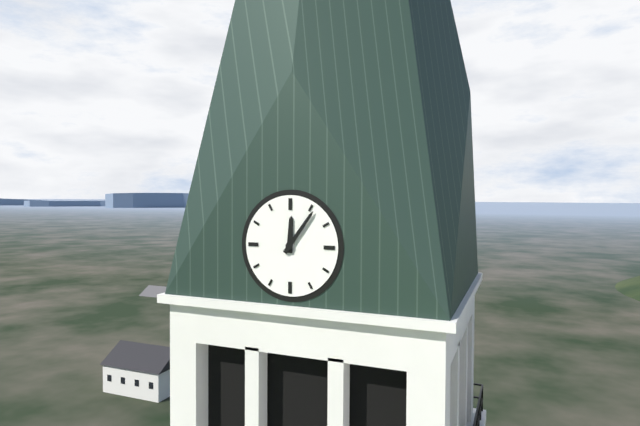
12:06
